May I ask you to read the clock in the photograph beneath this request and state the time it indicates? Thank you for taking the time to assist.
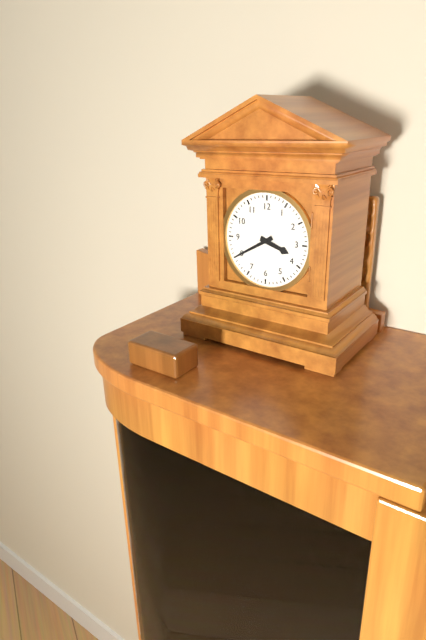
3:40
